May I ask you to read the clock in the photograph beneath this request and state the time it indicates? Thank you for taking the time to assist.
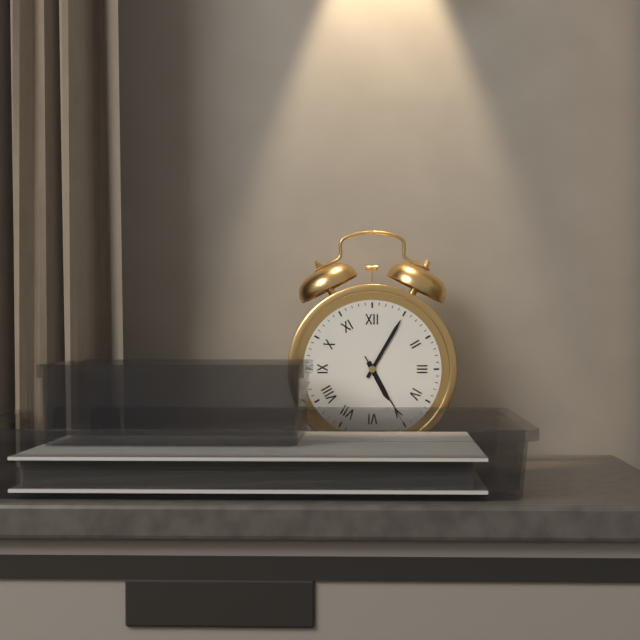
5:05:25
